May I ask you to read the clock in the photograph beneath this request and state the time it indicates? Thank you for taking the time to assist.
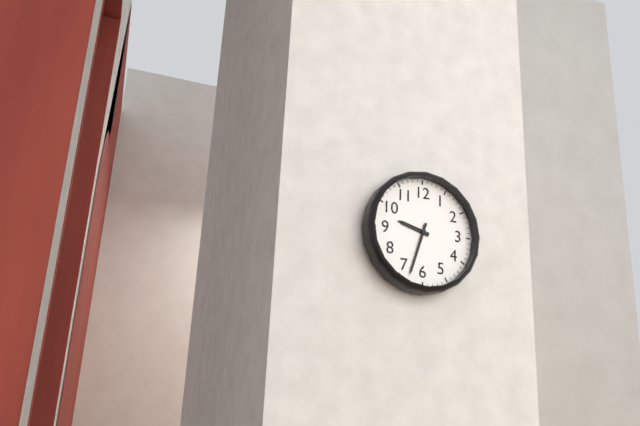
9:33
